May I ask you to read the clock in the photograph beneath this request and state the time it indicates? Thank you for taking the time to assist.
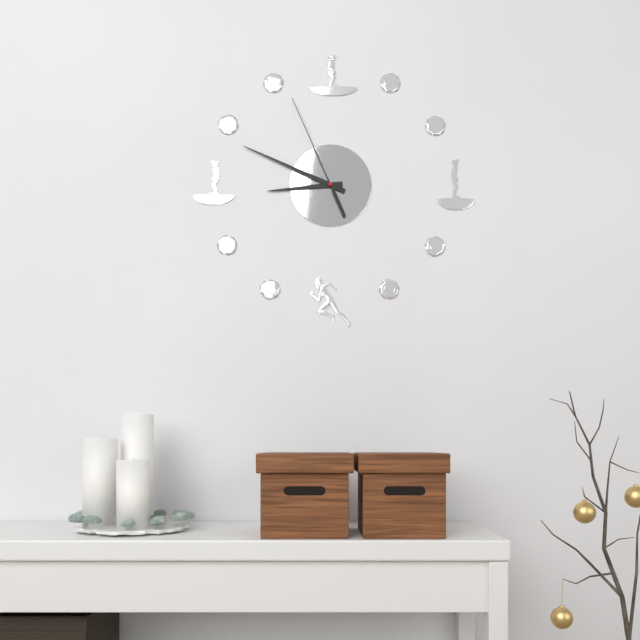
8:49:56
